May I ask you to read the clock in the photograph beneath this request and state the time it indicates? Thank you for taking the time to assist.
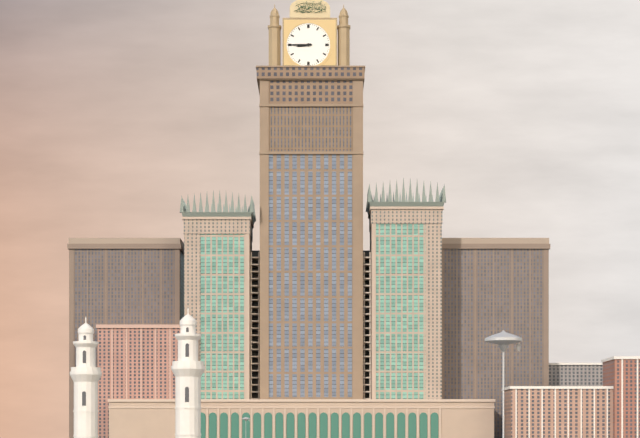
8:45
